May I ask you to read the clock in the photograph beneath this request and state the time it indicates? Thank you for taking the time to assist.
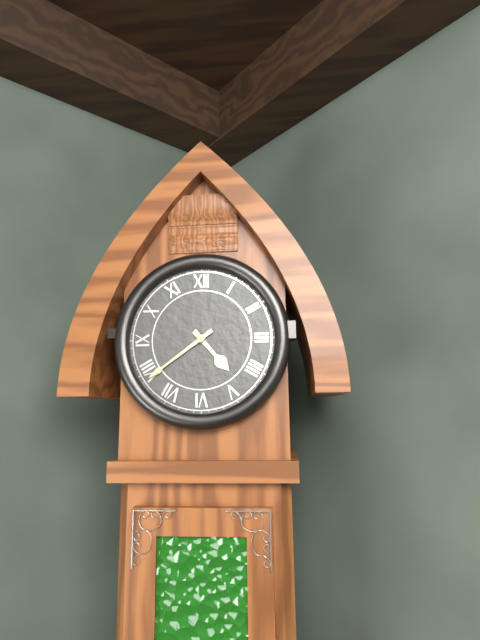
4:39
